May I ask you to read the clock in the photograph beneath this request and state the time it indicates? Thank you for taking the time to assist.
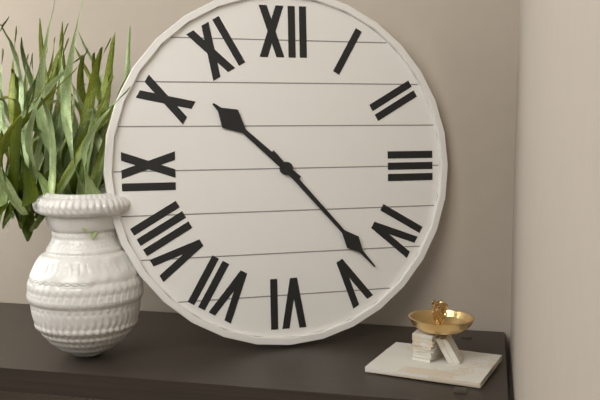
10:23
